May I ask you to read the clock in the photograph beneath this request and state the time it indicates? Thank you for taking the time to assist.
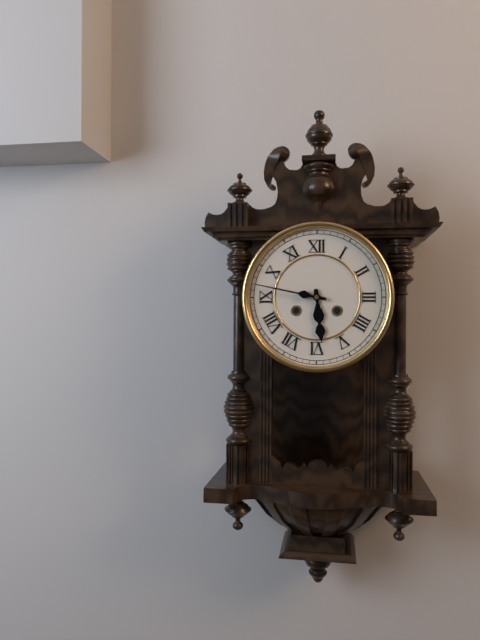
5:47
